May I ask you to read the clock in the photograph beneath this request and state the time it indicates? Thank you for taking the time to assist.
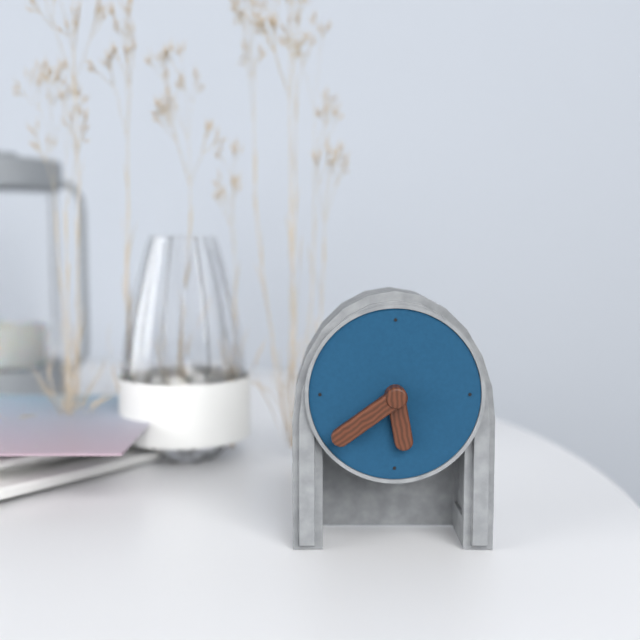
5:39
